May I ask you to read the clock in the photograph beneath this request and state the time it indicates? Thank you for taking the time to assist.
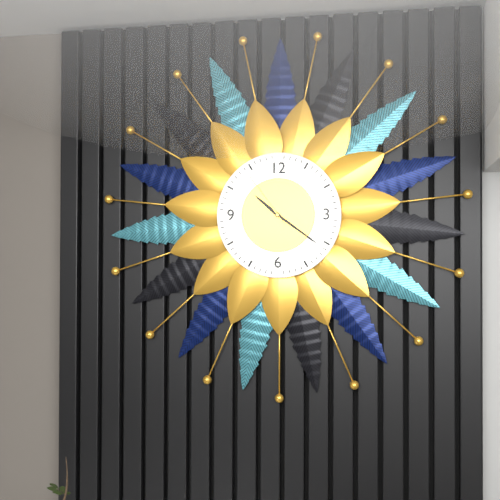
10:21:54
